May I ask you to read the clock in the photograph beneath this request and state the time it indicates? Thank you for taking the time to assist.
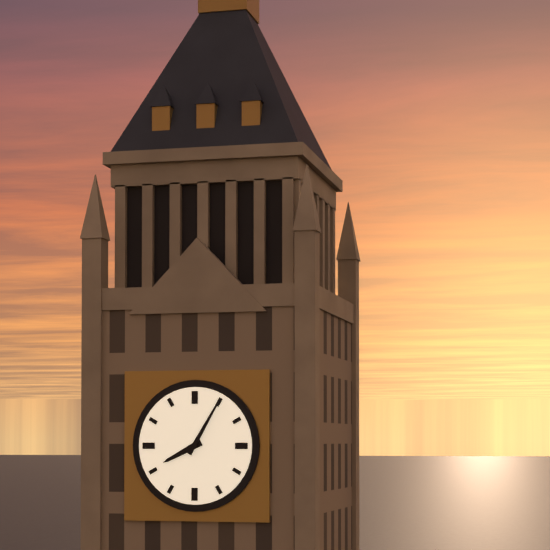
8:05
